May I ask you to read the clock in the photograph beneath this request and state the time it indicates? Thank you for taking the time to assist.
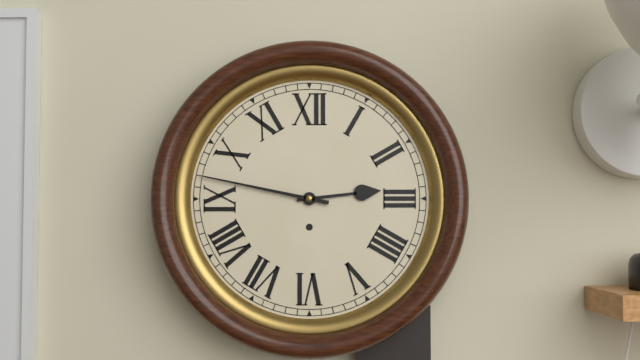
2:47
